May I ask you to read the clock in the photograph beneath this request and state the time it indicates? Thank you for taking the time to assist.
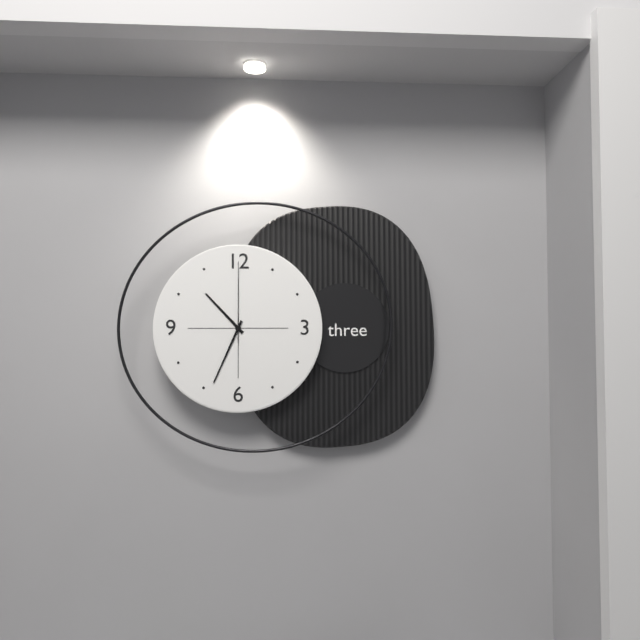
10:34:00
